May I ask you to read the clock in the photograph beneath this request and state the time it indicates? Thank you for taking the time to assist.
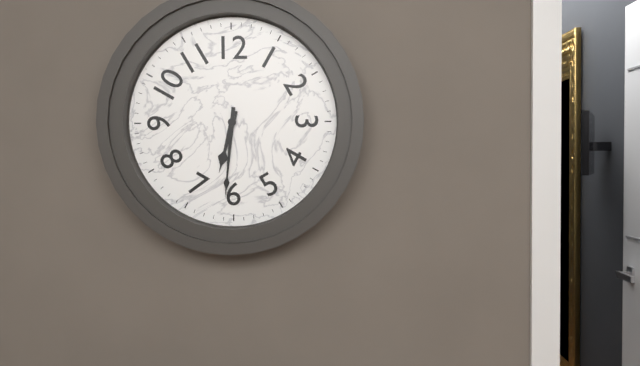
6:31
